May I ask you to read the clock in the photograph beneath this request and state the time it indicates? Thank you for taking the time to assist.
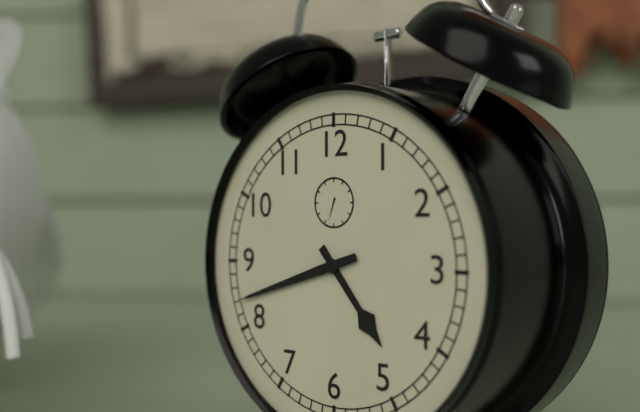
4:42
